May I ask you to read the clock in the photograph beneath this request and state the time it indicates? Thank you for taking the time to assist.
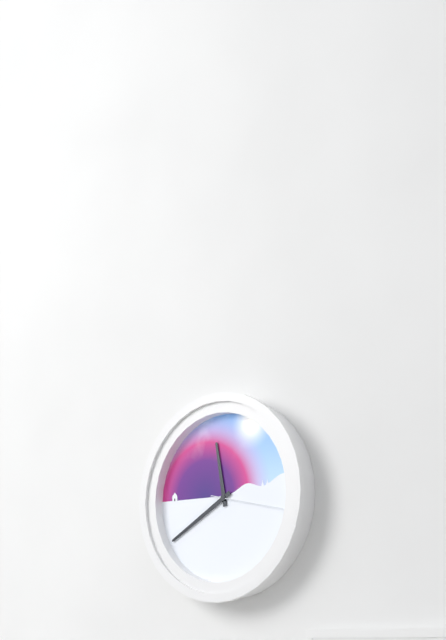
11:40:17
